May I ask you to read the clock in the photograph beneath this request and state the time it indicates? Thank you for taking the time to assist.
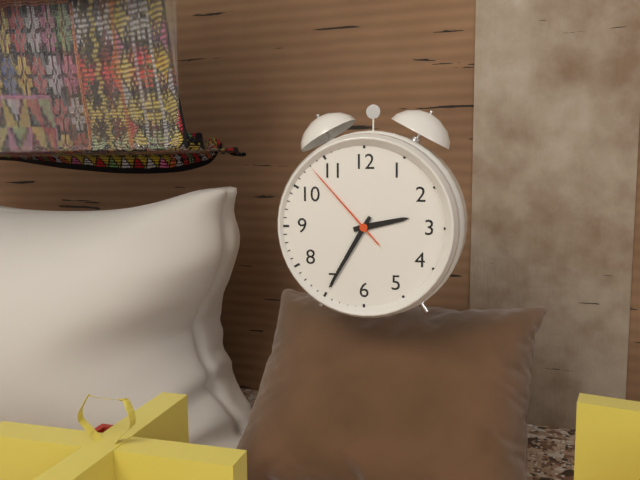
2:35:53
